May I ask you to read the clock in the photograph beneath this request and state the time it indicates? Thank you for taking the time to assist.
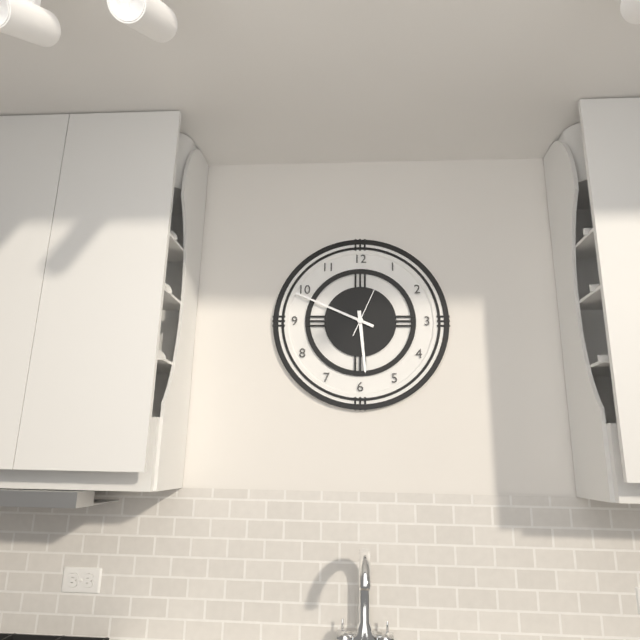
5:49:04
